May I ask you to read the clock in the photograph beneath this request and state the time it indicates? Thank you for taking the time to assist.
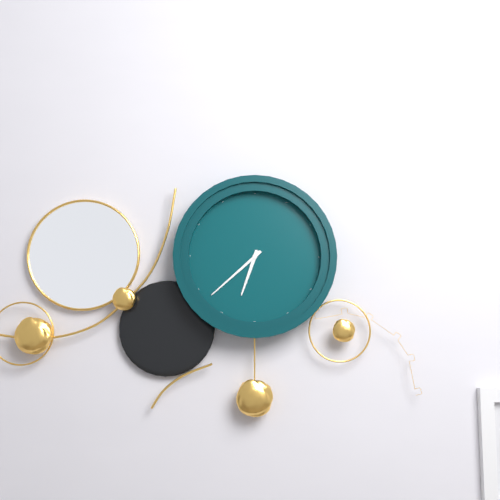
6:38
